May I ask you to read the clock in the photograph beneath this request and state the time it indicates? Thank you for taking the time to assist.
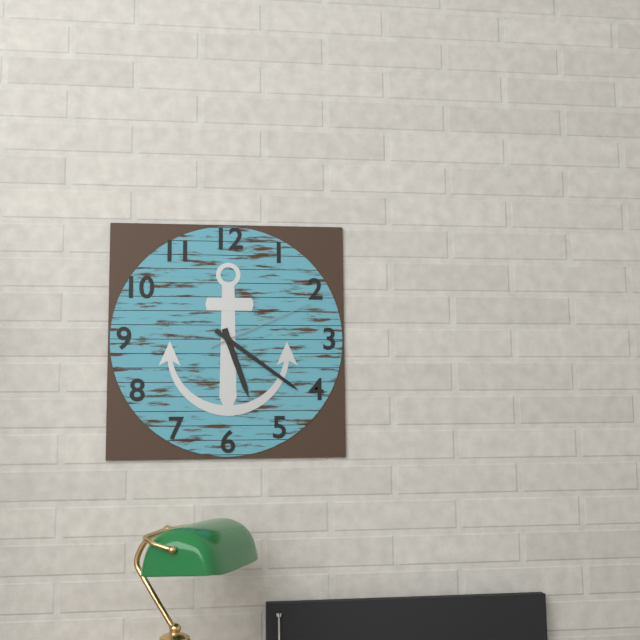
5:21:11
